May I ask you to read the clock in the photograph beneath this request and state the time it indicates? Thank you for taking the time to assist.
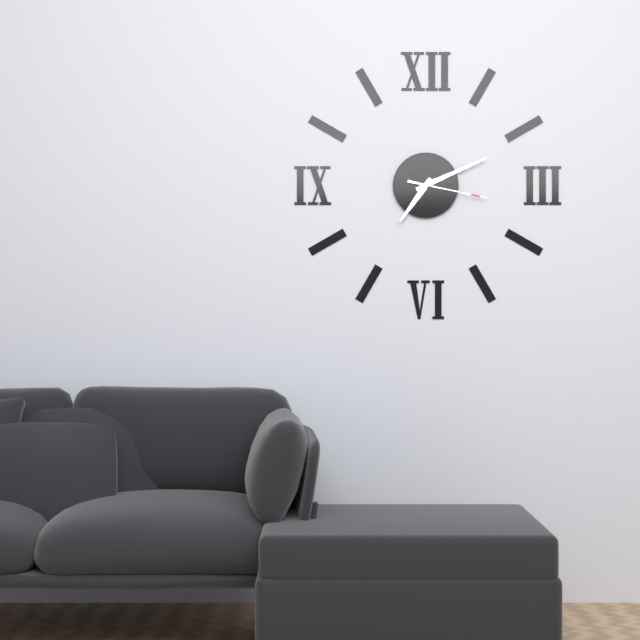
7:11:17
